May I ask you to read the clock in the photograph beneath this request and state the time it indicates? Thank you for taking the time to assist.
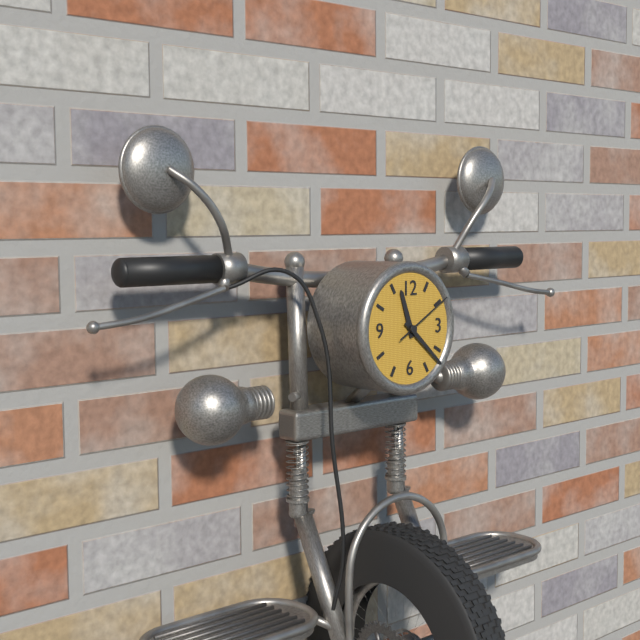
11:22:10
